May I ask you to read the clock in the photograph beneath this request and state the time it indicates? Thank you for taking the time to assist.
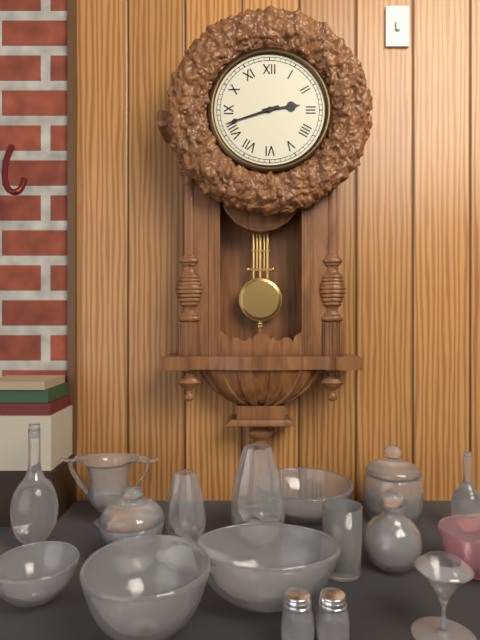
2:42
